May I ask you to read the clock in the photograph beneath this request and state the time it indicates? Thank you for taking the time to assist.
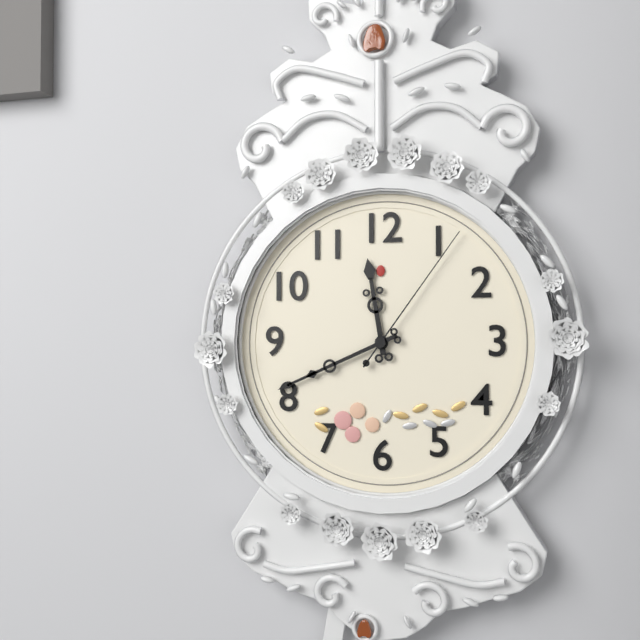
11:41:06
